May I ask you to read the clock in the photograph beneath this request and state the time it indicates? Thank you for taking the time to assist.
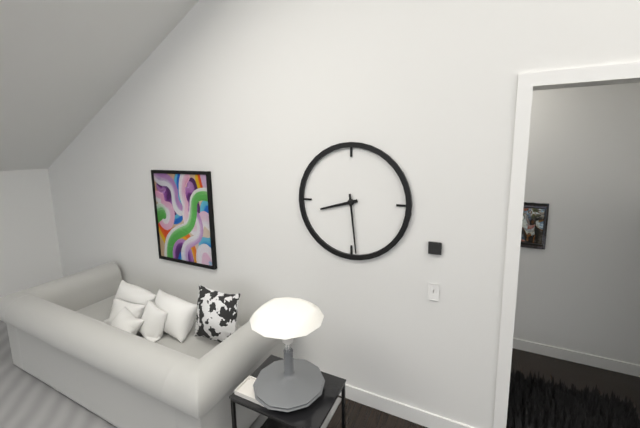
8:29
